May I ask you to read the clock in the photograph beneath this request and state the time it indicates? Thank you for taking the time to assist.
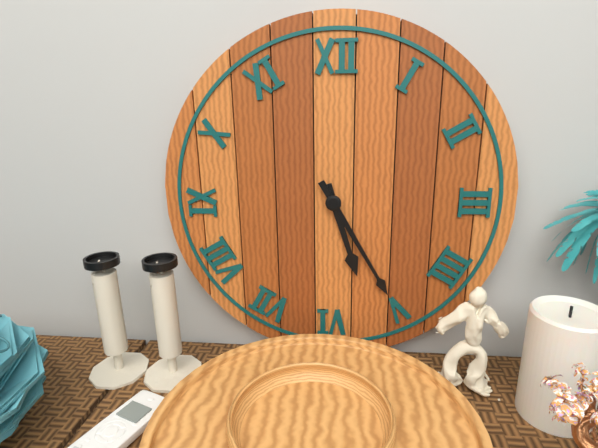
5:25
